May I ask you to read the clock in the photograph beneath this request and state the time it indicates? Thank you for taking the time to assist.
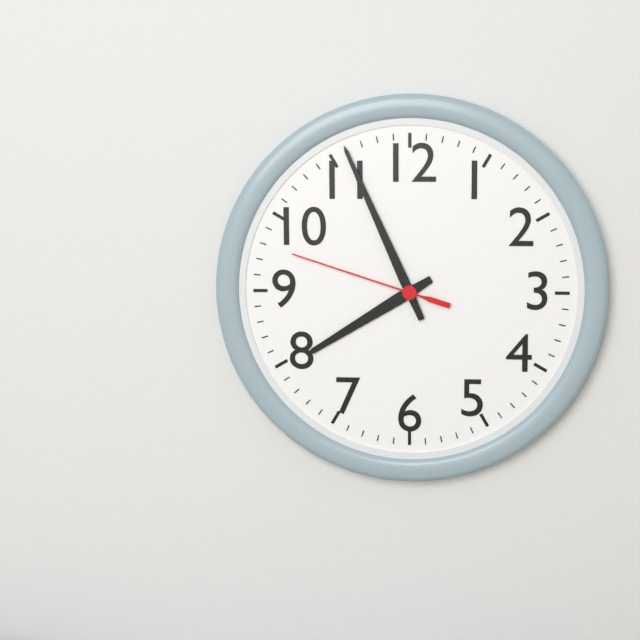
7:56:48
